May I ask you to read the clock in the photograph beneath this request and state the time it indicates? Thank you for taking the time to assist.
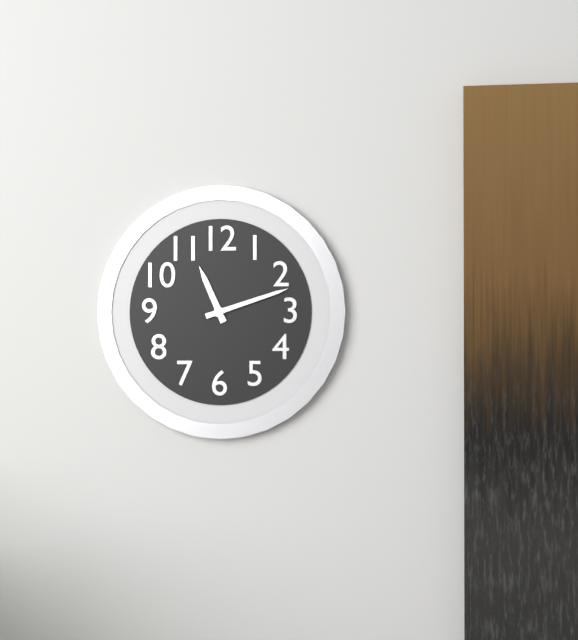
11:12
